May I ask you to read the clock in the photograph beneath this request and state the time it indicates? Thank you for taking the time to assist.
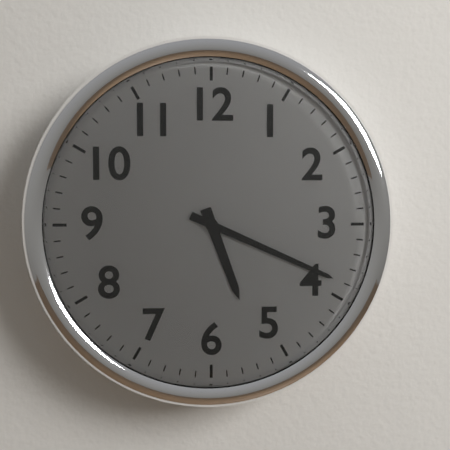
5:19
